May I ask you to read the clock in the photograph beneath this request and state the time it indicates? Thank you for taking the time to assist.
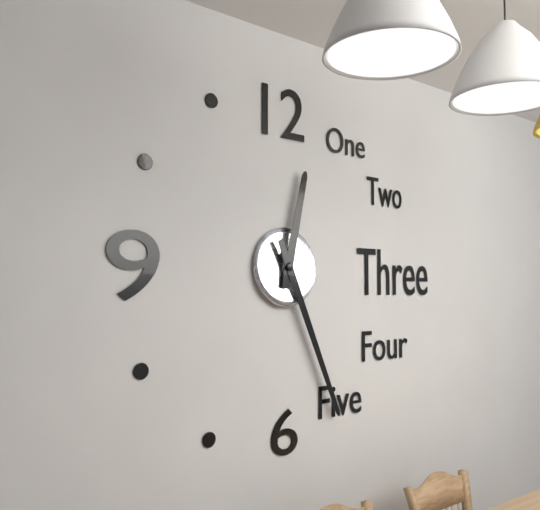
12:26
